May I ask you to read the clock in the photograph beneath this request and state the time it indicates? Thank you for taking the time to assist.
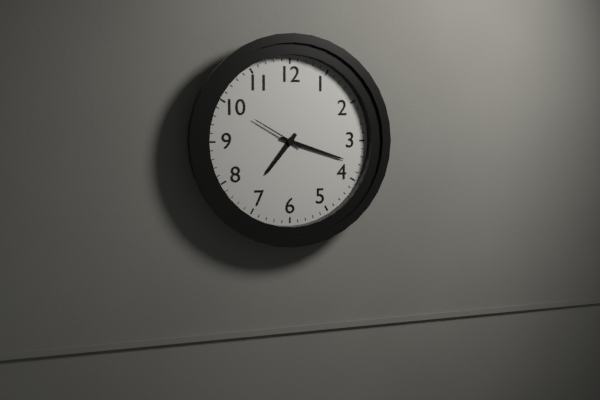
7:18:50
